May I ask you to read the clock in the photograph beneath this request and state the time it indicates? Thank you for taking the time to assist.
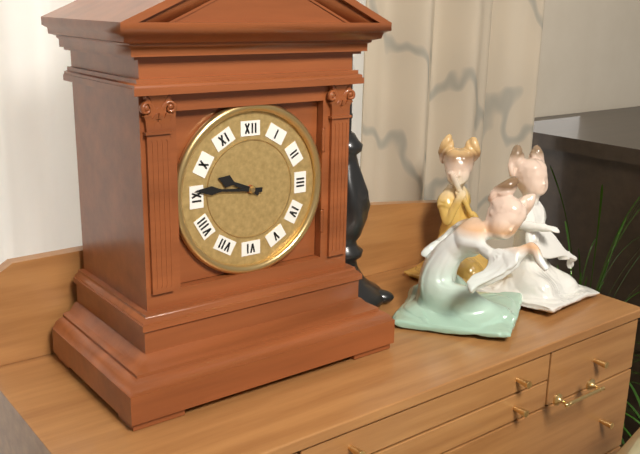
9:46
